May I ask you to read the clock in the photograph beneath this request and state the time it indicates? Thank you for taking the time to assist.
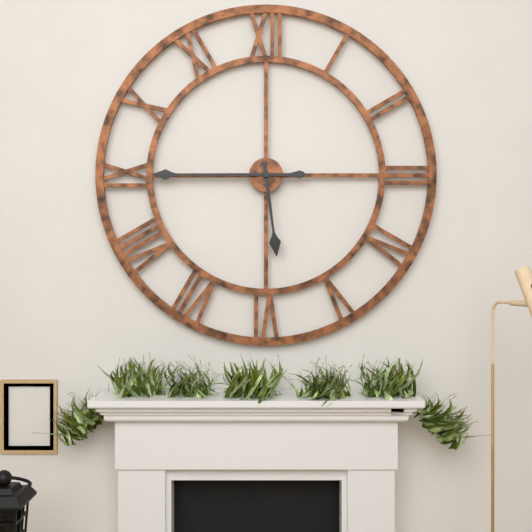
5:45
